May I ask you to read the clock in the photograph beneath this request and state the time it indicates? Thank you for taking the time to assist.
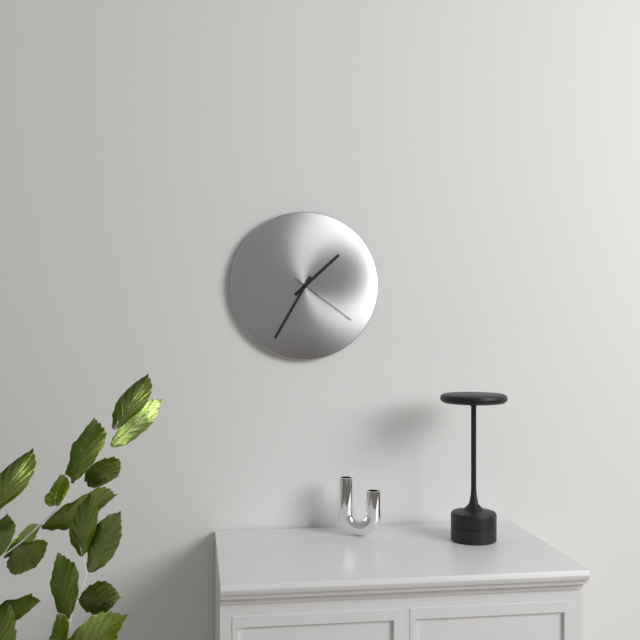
1:35:21
